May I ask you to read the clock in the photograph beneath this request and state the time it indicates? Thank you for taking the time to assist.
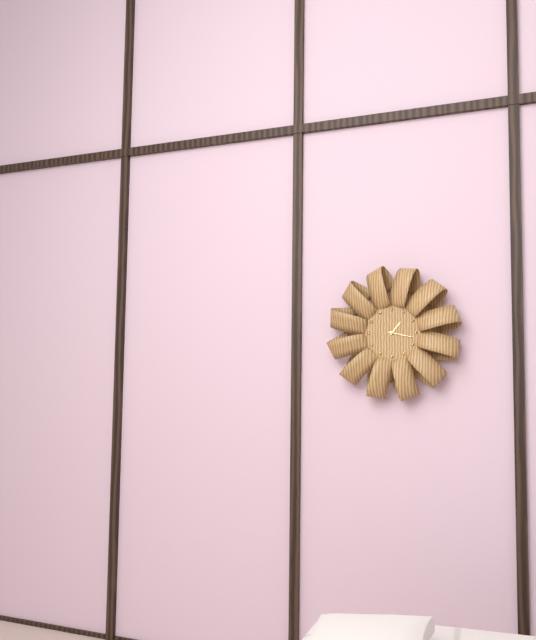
1:17
